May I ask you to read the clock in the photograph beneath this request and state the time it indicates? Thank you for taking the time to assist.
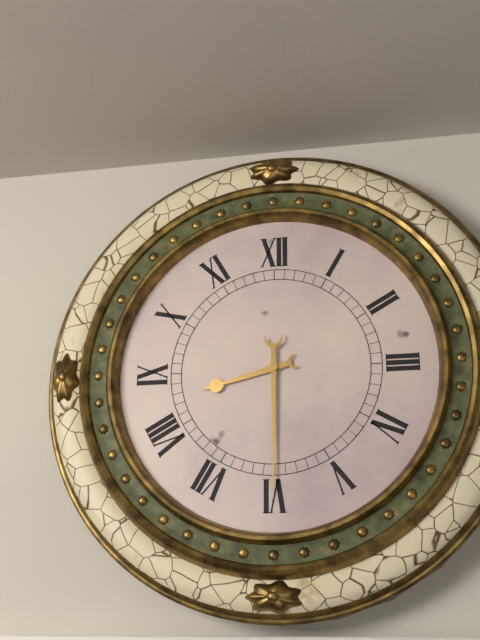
8:30
